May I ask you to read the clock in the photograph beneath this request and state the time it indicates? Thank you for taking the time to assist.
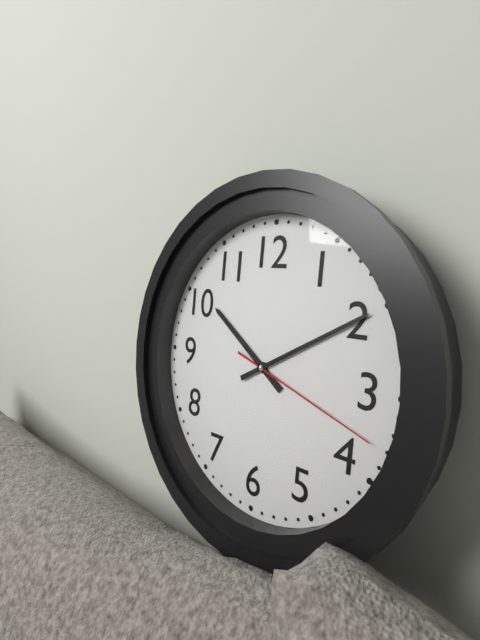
10:10:18
